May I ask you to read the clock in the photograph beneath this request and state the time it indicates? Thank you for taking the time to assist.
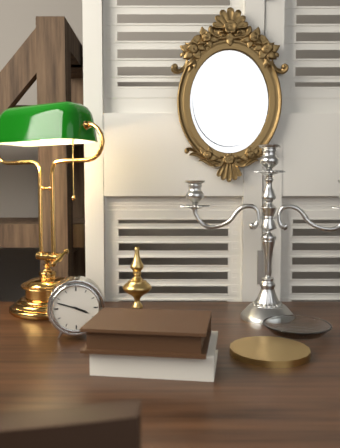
3:48
